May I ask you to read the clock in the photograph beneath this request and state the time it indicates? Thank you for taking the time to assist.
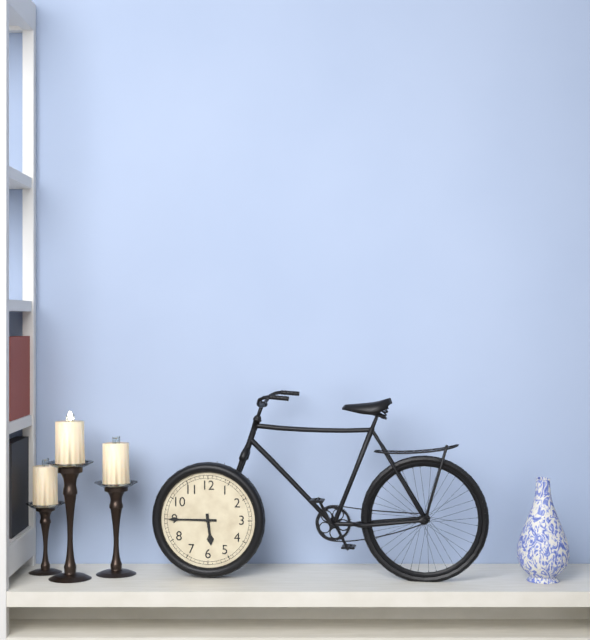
5:45
